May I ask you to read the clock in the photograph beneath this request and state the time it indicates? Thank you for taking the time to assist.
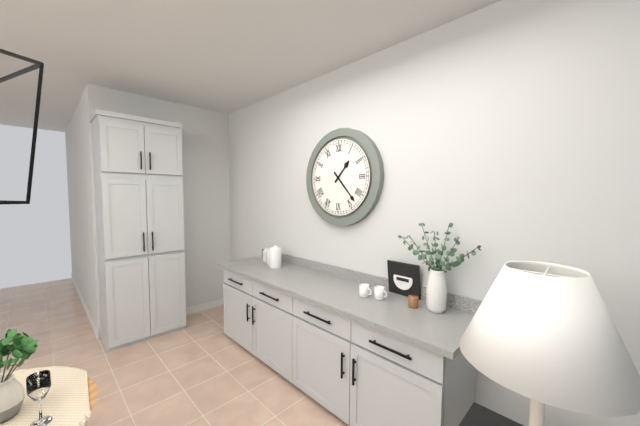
1:23
